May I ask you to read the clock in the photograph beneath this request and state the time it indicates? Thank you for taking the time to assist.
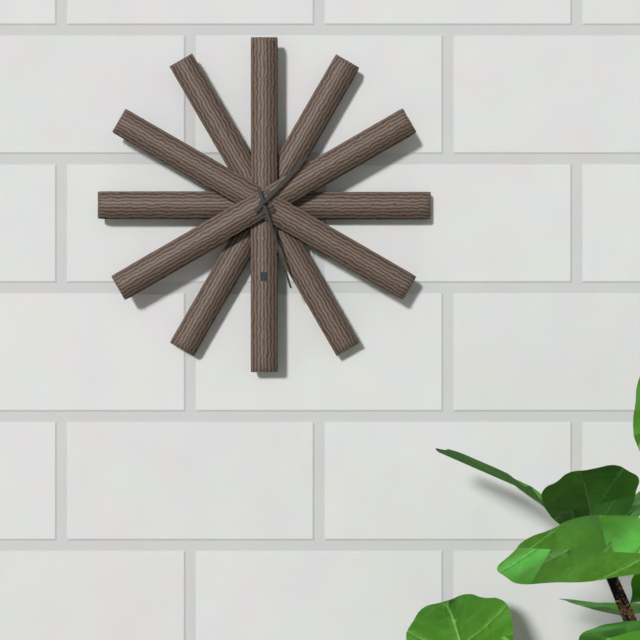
1:27
